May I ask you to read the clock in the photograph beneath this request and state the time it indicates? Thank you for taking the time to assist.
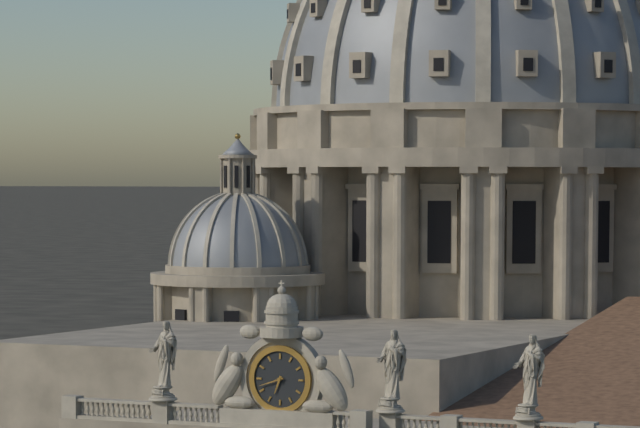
6:42
